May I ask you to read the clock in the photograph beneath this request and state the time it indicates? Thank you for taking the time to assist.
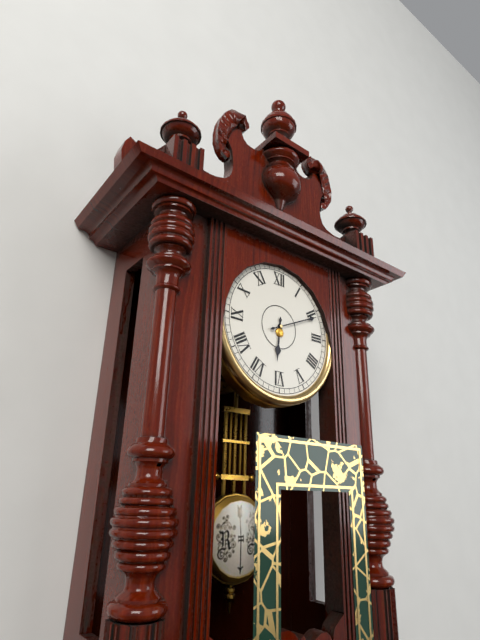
6:11
